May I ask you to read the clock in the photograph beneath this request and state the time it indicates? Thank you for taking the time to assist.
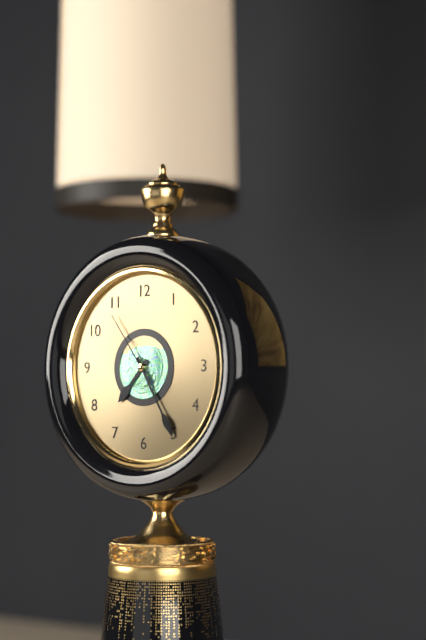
7:25:54
